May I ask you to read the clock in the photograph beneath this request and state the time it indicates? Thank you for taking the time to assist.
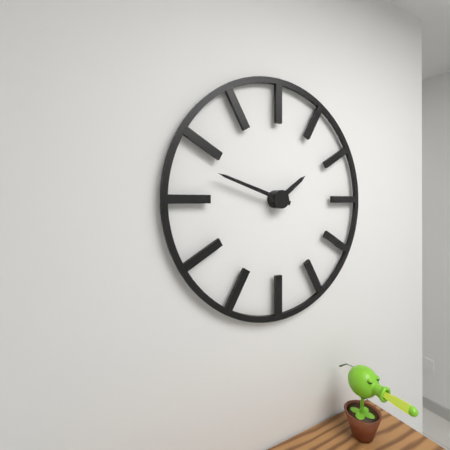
1:48
